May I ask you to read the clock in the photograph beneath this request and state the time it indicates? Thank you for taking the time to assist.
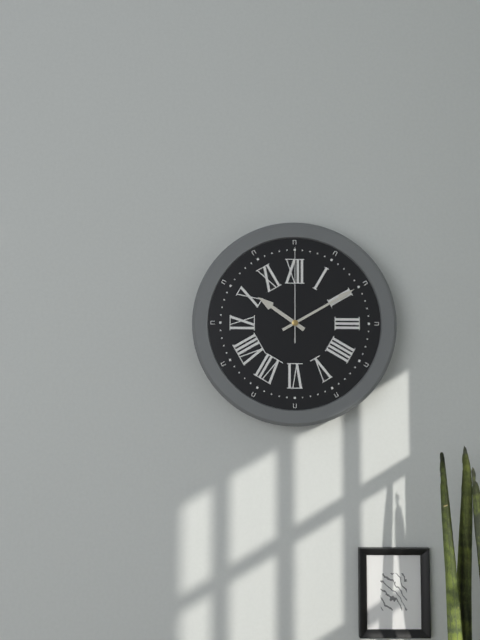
10:10:00
